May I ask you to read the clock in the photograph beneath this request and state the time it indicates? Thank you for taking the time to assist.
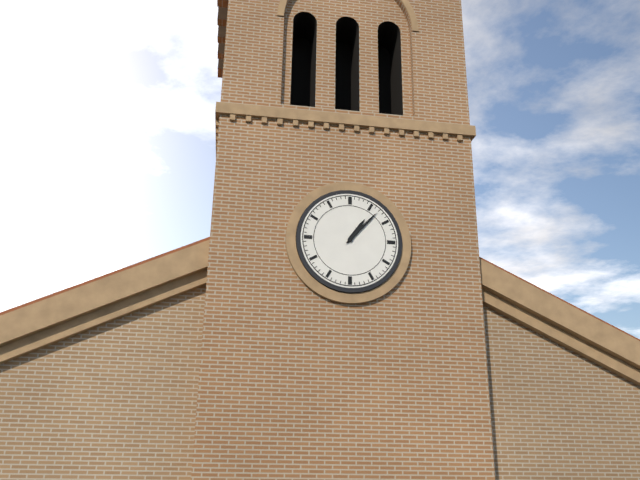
1:07
